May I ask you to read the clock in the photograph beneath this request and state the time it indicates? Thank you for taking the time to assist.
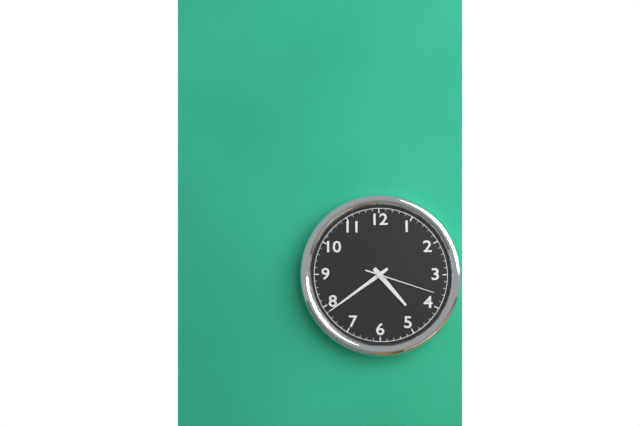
4:39:18
